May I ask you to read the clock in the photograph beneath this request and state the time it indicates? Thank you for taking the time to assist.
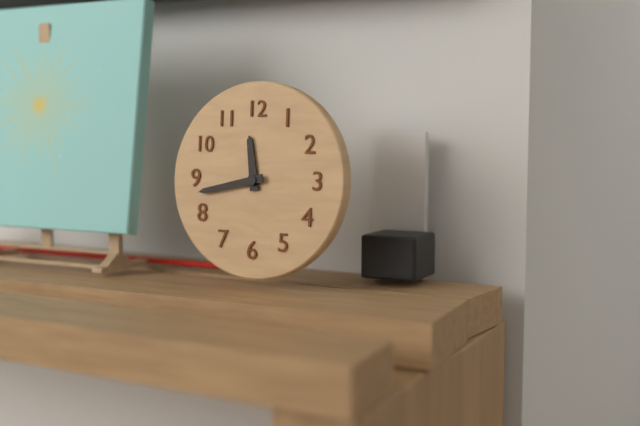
11:43
